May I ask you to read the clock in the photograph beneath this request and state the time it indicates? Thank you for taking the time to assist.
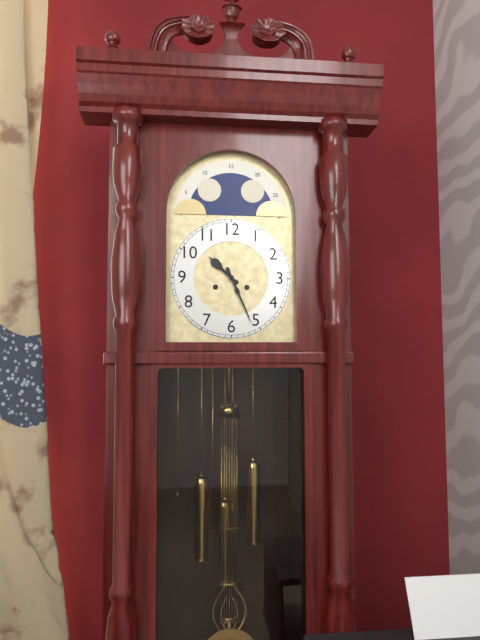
10:26
